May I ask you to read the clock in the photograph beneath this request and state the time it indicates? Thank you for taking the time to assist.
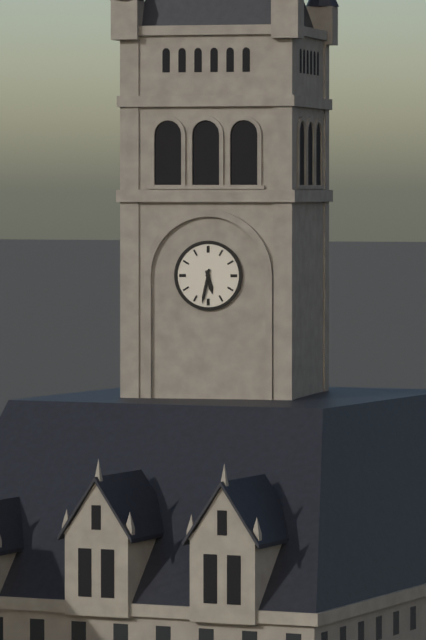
5:32
